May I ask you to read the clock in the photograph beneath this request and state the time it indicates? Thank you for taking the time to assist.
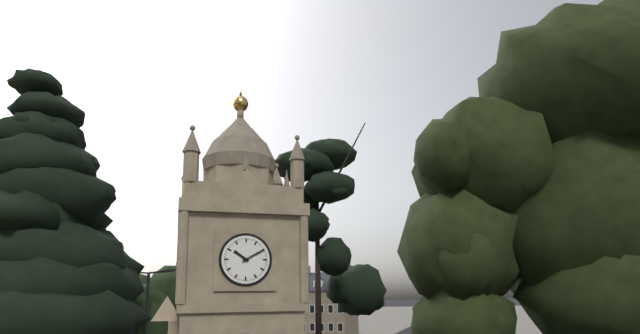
10:10
